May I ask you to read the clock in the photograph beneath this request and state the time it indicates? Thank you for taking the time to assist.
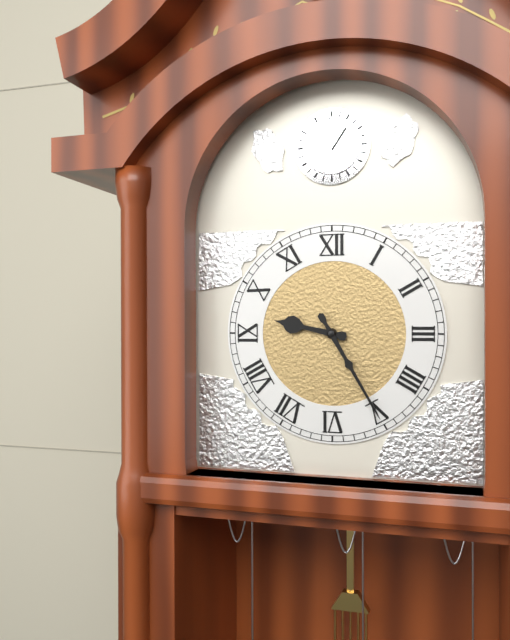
9:25
